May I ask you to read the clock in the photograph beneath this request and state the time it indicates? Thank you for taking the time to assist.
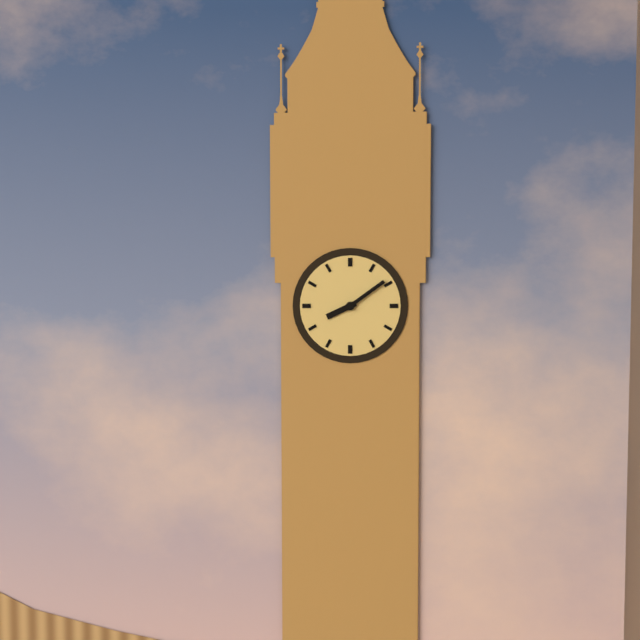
8:09
